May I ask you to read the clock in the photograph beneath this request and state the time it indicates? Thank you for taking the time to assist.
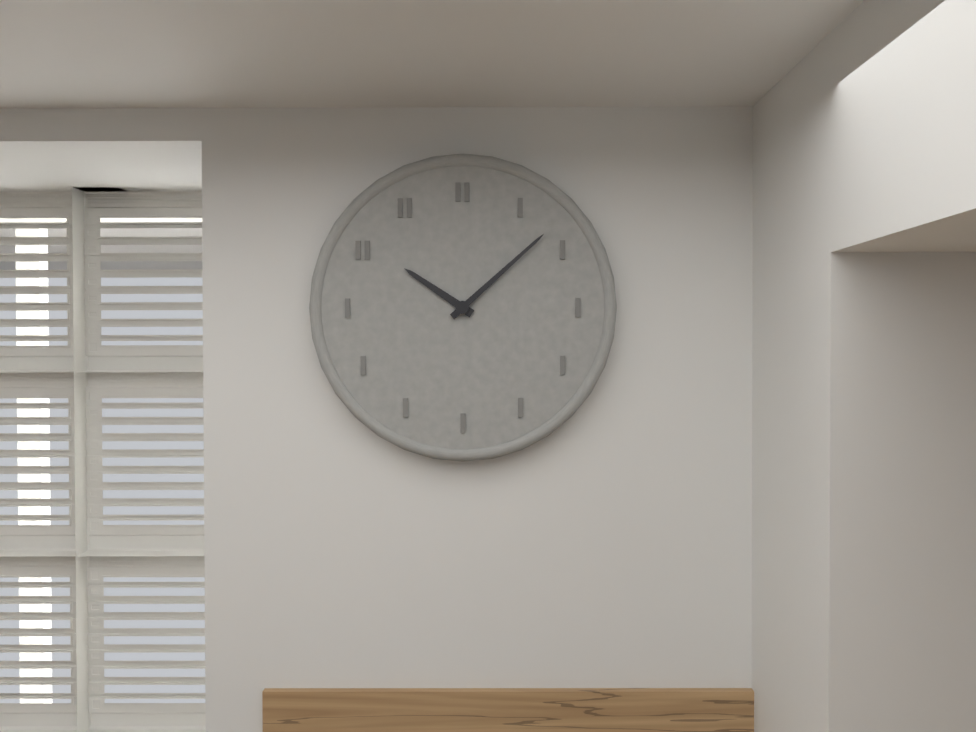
10:08
